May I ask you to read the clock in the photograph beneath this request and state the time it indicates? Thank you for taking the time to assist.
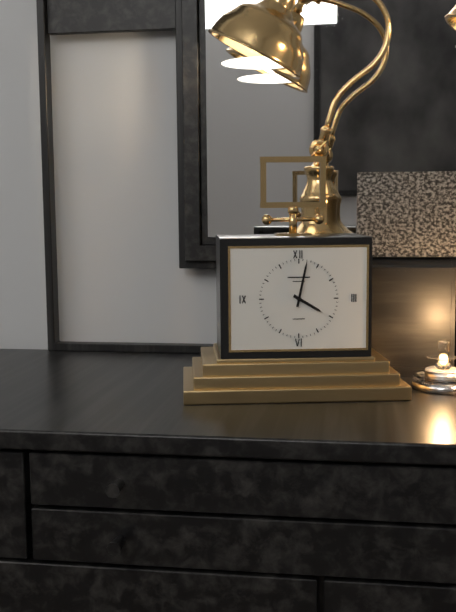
4:02
